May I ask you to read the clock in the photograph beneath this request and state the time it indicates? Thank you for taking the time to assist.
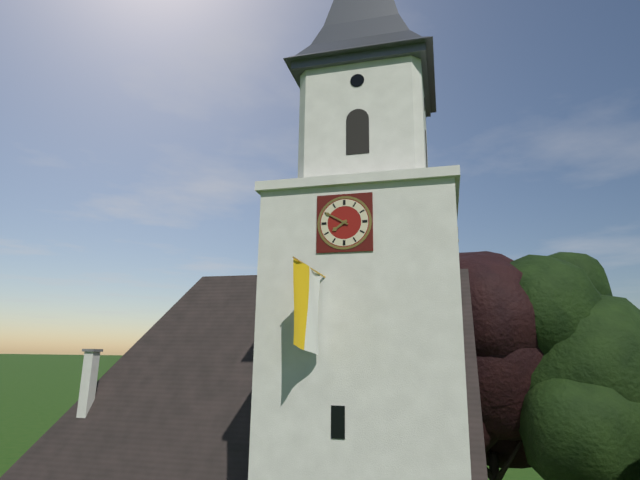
7:50
